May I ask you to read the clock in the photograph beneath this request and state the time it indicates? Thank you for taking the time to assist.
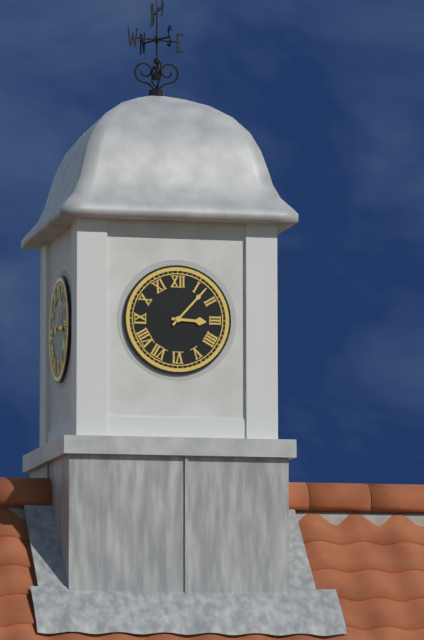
3:07
